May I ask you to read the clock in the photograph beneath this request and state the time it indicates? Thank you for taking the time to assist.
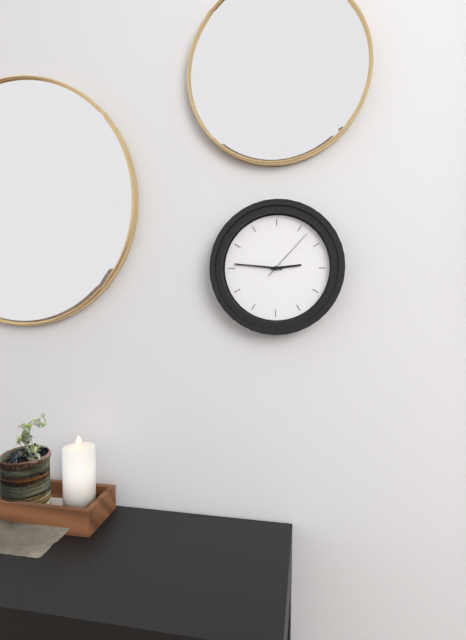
2:46:07
